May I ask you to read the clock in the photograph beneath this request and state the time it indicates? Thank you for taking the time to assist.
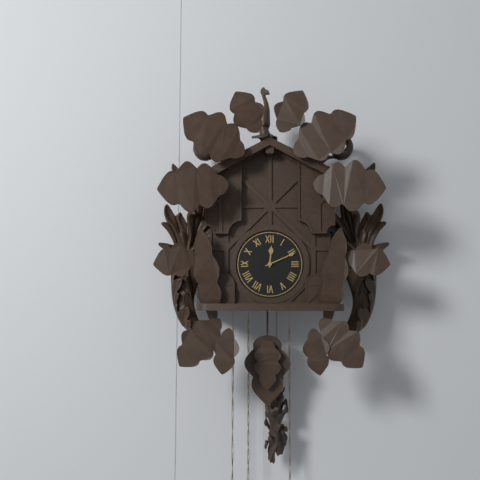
12:11
